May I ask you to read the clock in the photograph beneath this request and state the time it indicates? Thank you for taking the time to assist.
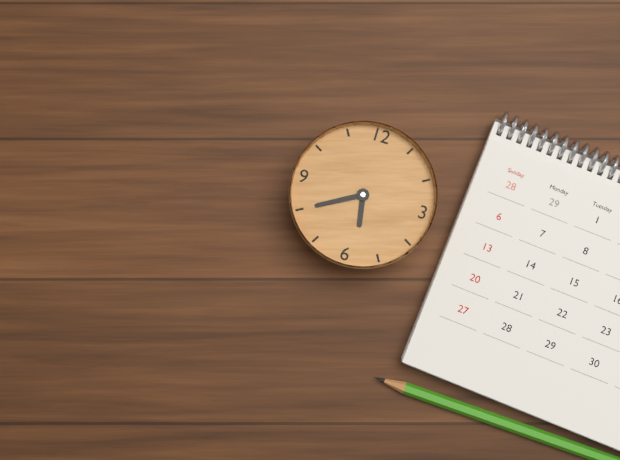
5:40
